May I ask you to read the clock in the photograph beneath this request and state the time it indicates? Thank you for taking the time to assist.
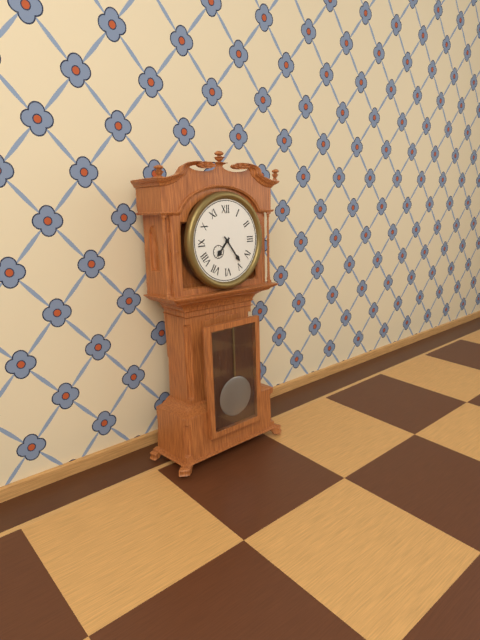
7:24
